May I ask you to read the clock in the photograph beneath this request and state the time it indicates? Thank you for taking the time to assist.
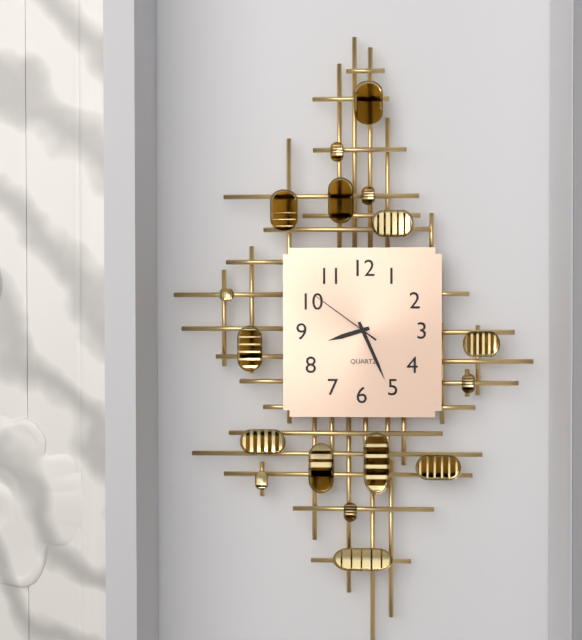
8:26:51
